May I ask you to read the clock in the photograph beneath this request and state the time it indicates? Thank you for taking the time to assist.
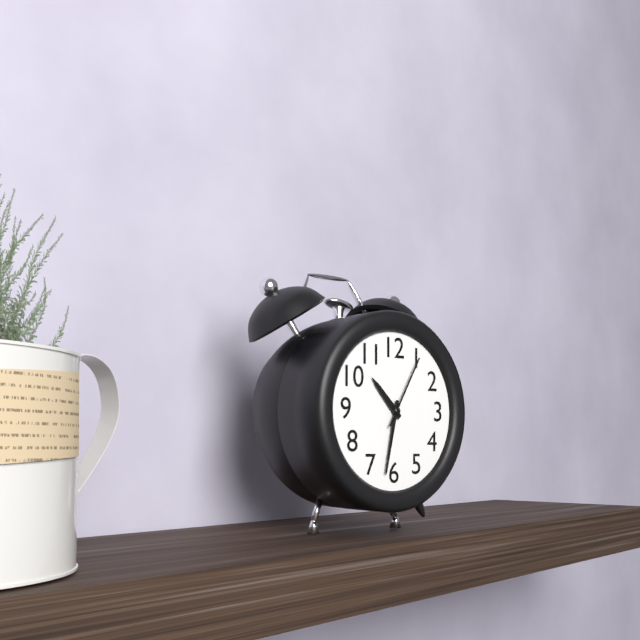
10:32:05
